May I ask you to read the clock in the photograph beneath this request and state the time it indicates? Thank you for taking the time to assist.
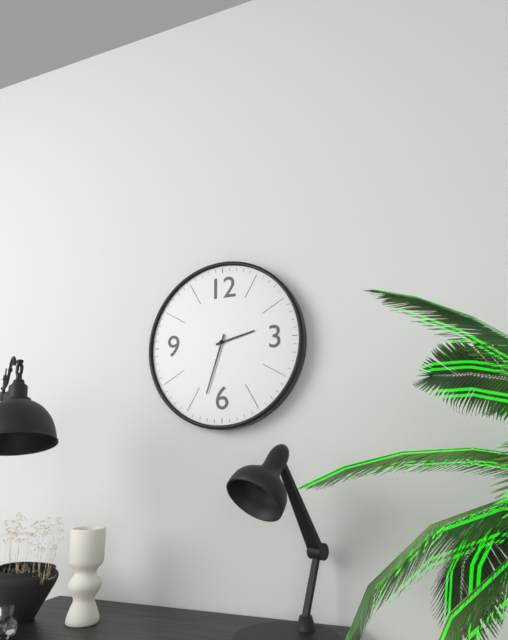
2:33
